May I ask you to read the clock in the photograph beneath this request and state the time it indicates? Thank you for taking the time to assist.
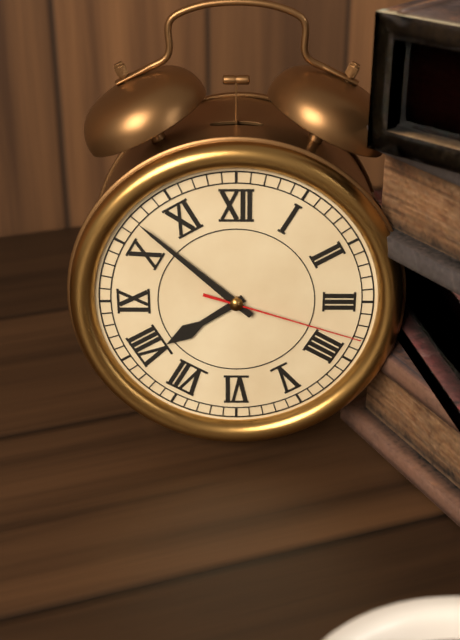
7:52:18
